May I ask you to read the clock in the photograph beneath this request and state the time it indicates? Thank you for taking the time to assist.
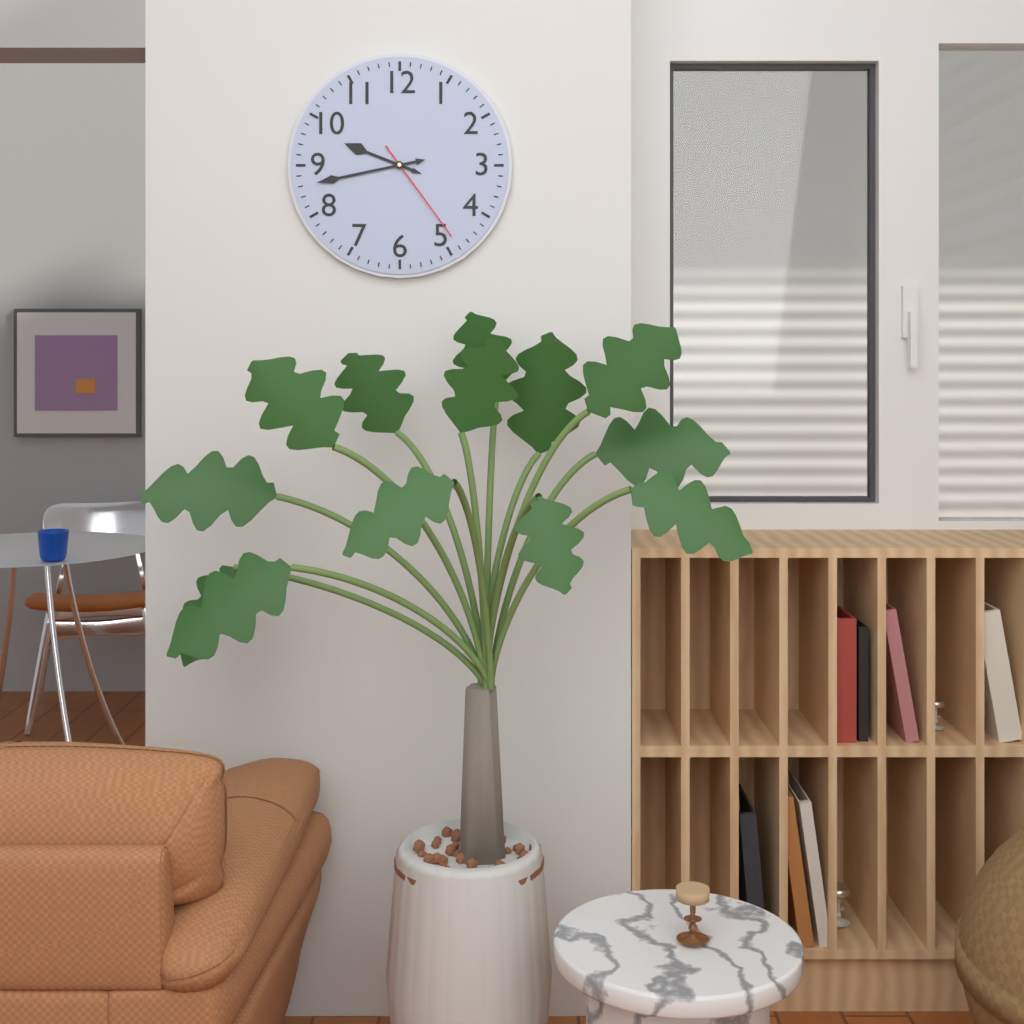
9:43:24
